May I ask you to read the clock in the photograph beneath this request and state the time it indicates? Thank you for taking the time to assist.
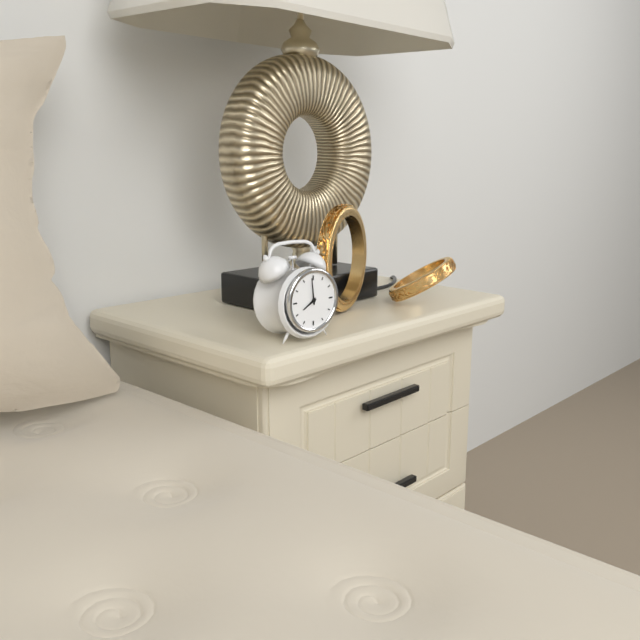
7:59
